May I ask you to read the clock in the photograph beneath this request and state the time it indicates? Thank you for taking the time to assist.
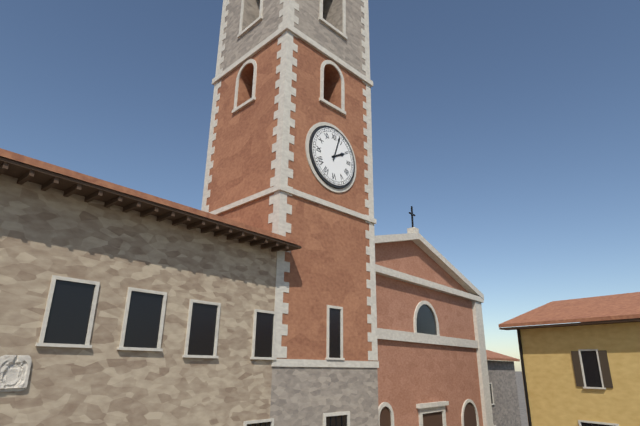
2:03
